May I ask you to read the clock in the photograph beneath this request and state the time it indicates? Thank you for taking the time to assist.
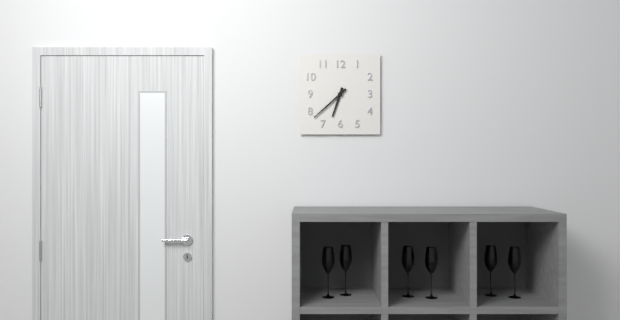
6:38
